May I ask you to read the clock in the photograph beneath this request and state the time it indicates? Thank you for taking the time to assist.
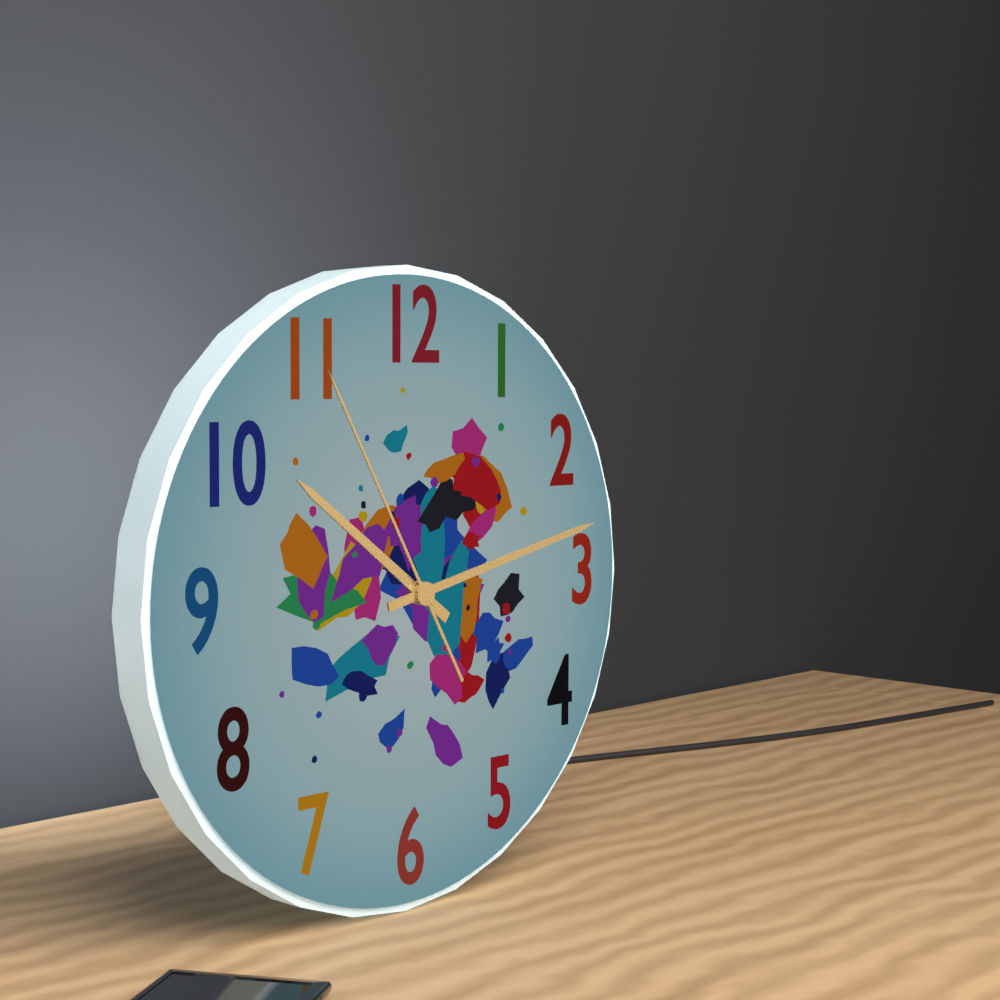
10:13:55
